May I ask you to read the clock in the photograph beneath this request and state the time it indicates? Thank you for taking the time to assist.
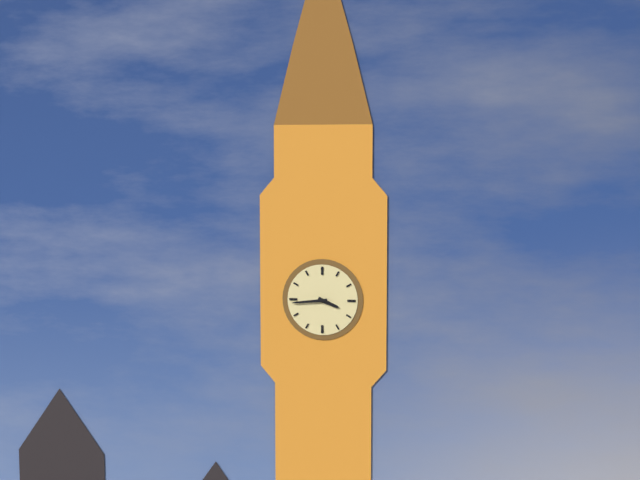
3:44
